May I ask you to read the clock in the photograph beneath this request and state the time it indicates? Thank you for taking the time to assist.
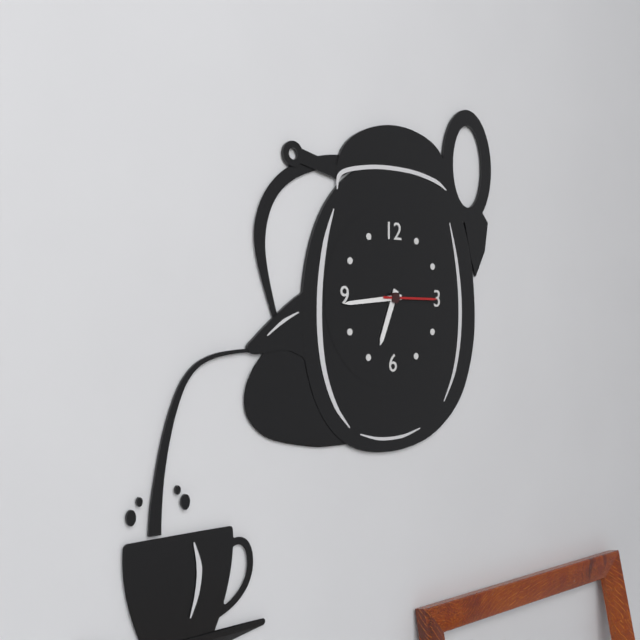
6:44:15
